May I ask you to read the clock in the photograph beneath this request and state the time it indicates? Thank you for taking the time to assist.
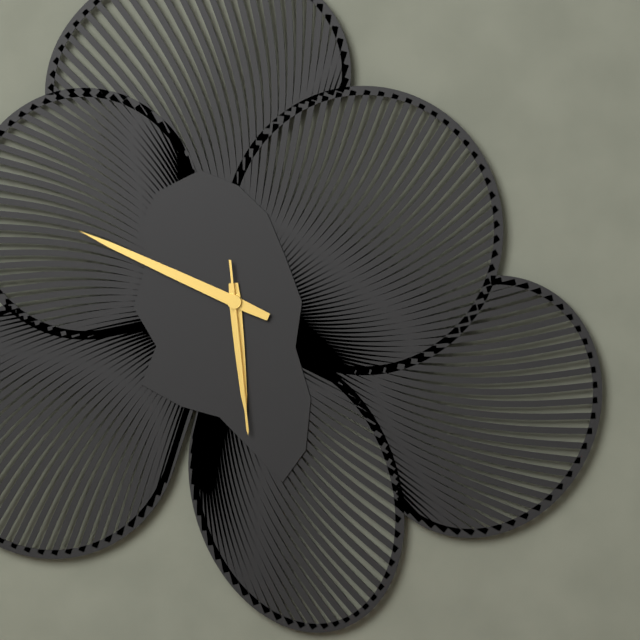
5:49:29
